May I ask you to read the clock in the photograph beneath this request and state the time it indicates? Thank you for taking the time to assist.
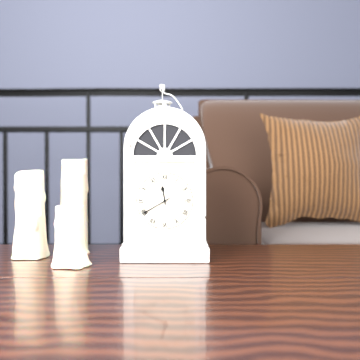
11:40
